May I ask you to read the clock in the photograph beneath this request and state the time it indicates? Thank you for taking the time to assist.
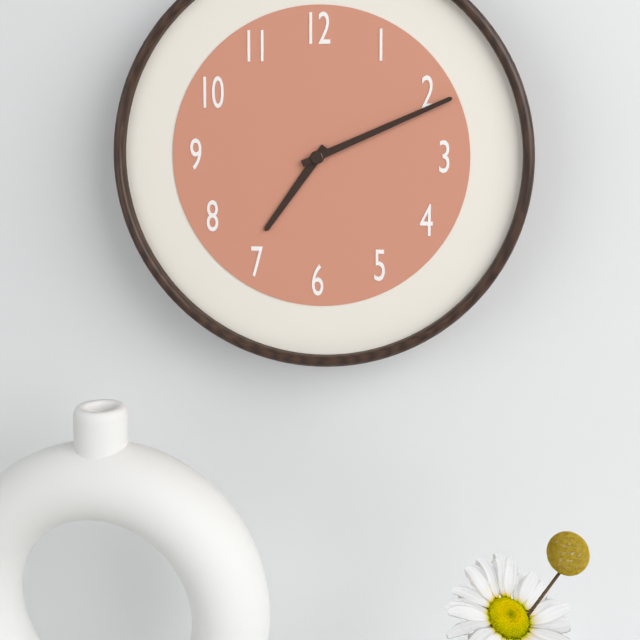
7:11
